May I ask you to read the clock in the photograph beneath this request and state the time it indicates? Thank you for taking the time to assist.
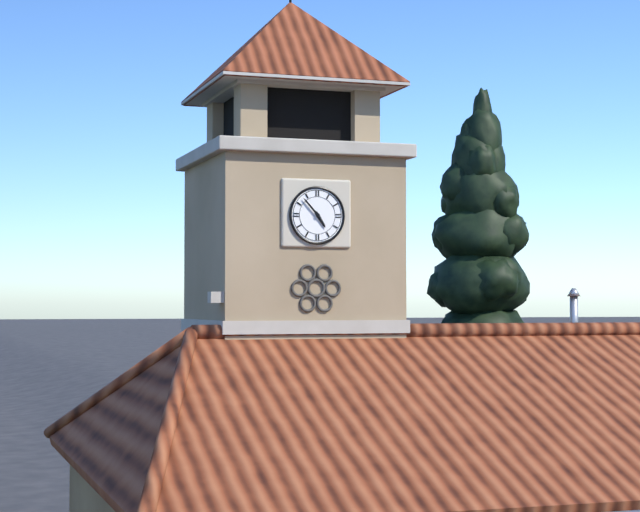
4:53
